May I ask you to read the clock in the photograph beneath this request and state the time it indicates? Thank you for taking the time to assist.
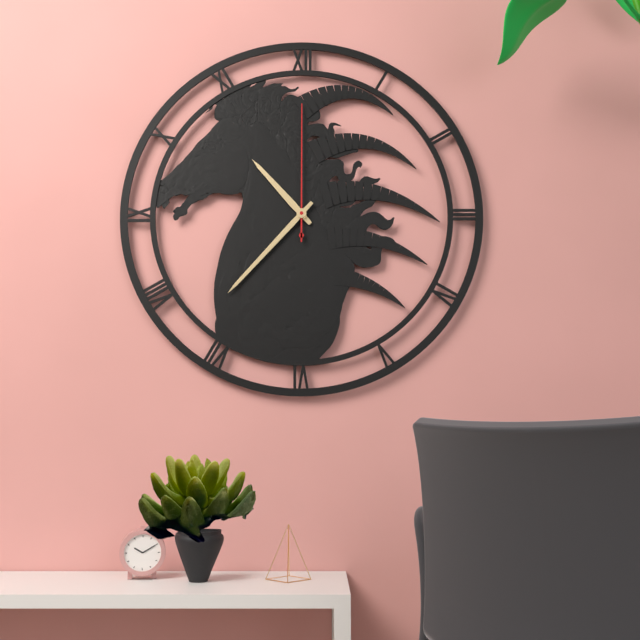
10:37:00
